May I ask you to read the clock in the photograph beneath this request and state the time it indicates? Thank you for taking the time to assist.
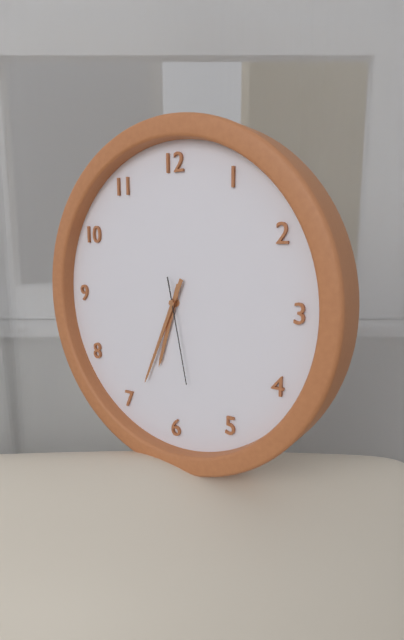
6:34:28
